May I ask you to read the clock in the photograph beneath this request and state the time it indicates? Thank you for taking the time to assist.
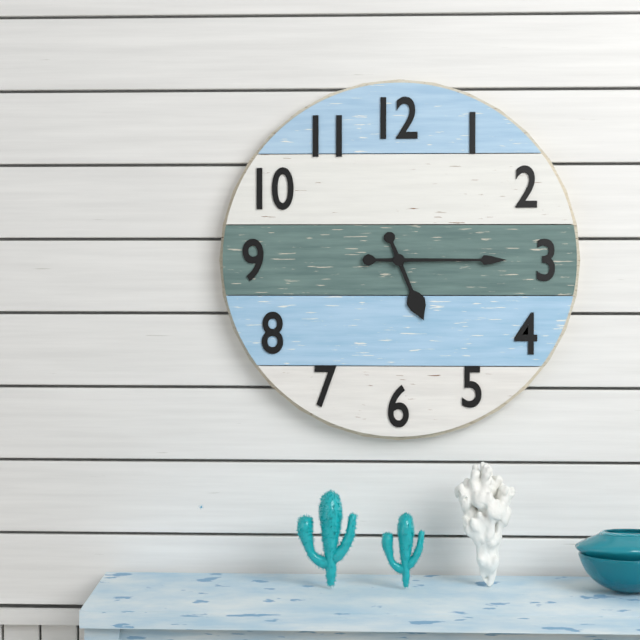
5:15
